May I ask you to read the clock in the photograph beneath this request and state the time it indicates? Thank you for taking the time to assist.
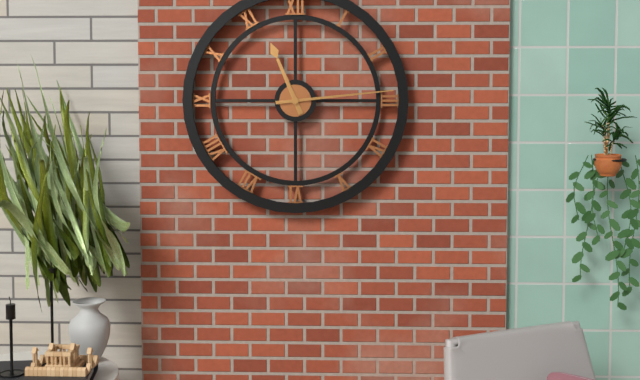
11:14
